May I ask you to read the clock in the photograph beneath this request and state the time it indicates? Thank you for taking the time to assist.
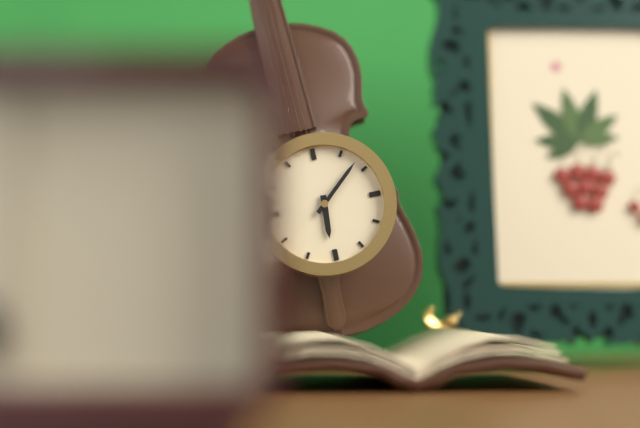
6:08
